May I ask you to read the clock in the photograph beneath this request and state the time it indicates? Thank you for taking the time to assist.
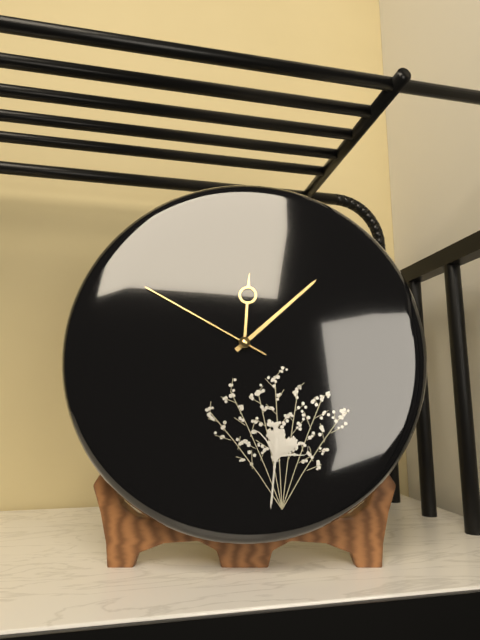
12:08:50
